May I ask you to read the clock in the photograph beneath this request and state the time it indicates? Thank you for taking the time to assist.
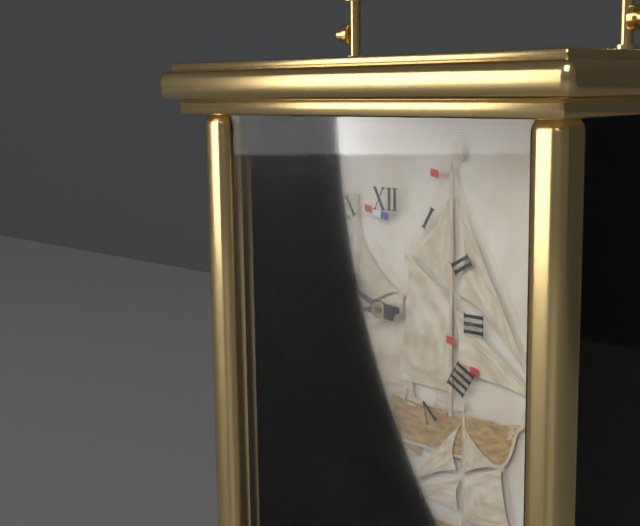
9:44
